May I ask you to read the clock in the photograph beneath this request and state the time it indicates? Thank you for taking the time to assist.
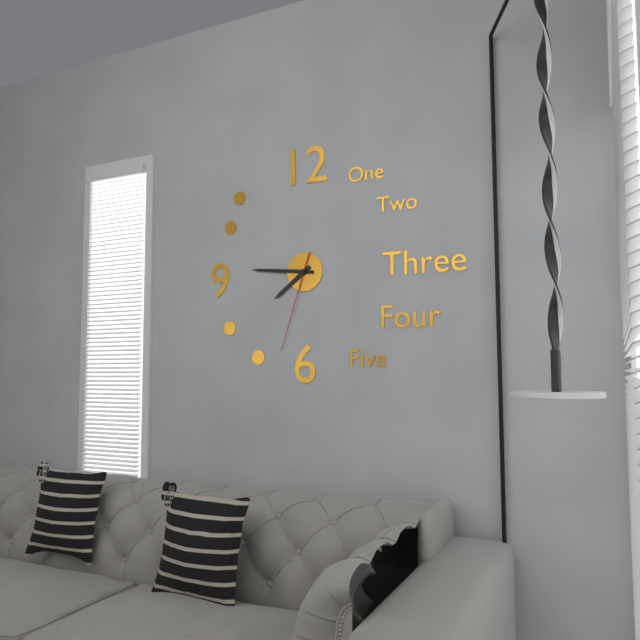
7:46:33
